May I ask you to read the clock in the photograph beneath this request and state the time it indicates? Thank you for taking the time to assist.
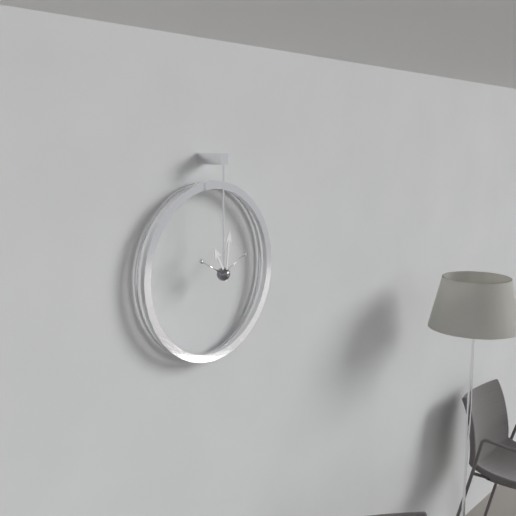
11:01
